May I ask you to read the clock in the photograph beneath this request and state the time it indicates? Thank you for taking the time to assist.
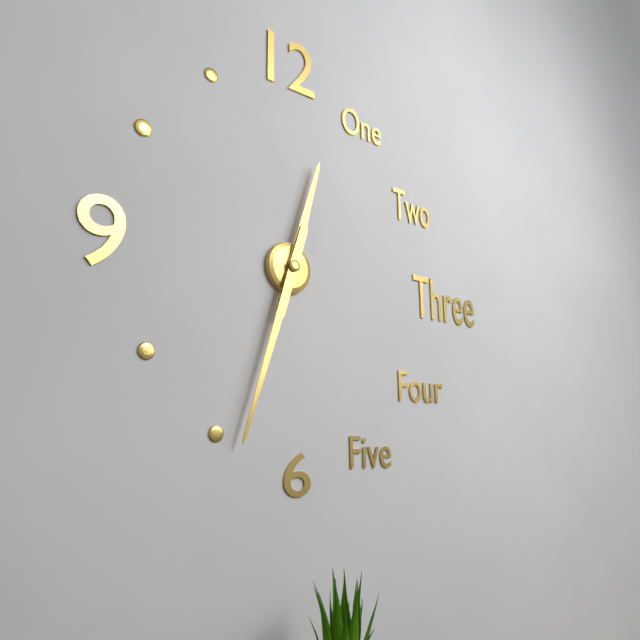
12:33
